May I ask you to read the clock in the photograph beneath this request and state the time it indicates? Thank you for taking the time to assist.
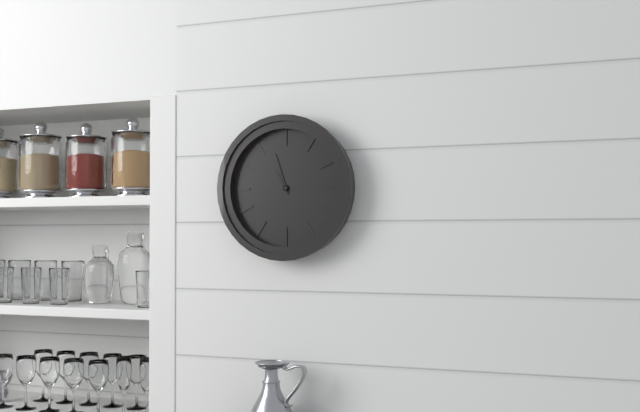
10:57
